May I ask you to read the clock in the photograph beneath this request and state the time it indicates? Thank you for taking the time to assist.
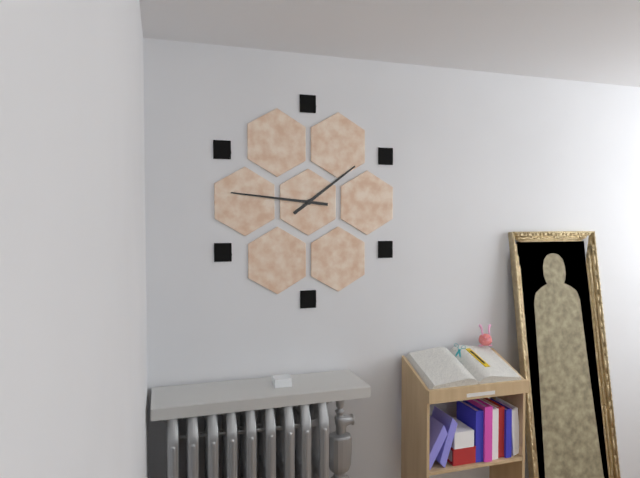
1:46
